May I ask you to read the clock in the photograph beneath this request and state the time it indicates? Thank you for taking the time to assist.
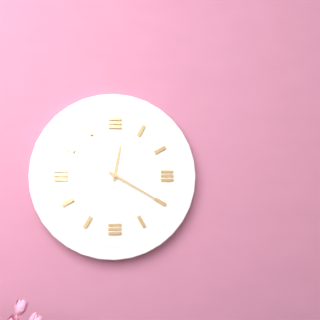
12:20
